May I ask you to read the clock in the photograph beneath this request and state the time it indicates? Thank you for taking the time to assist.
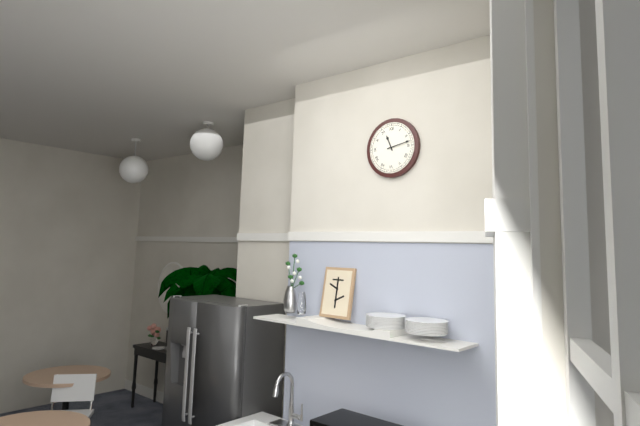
11:13
